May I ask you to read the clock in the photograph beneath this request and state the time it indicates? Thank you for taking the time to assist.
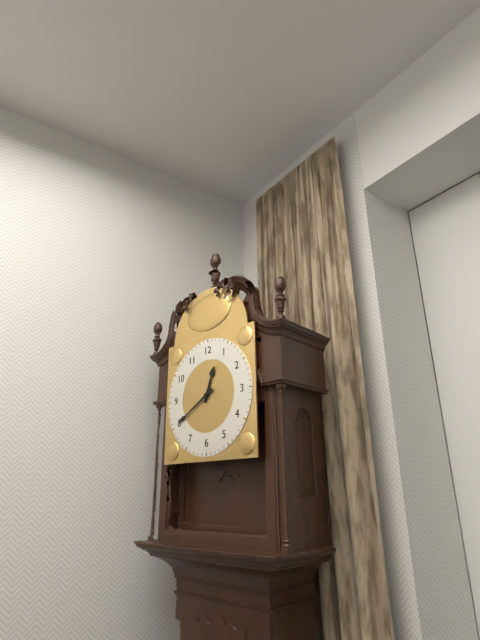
12:40
